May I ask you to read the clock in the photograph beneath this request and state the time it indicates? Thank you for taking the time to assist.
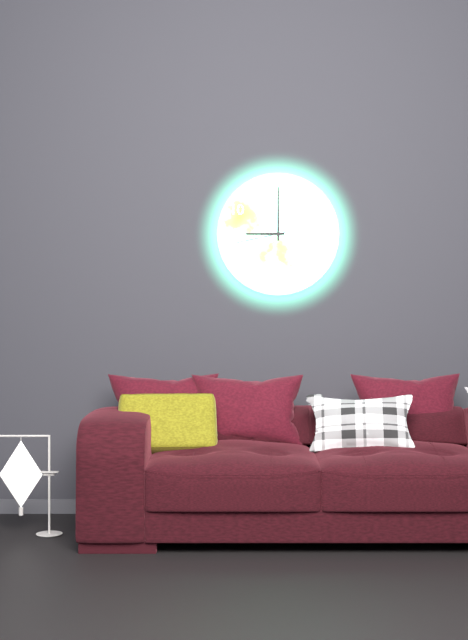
9:00:43
